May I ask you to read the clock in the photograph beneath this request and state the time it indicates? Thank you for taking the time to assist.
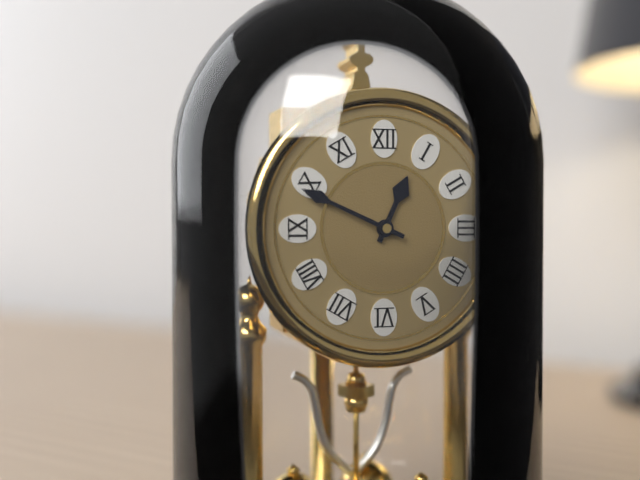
12:49
